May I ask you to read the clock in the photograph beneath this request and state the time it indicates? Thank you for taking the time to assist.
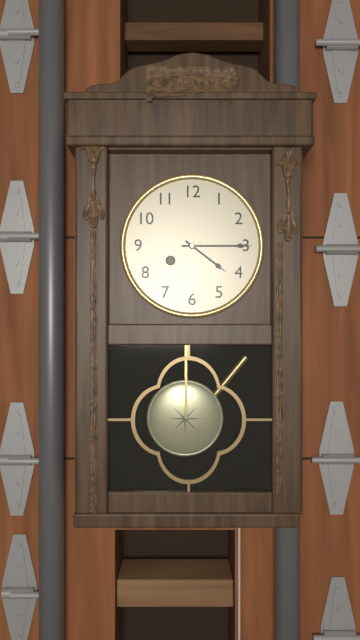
4:15
